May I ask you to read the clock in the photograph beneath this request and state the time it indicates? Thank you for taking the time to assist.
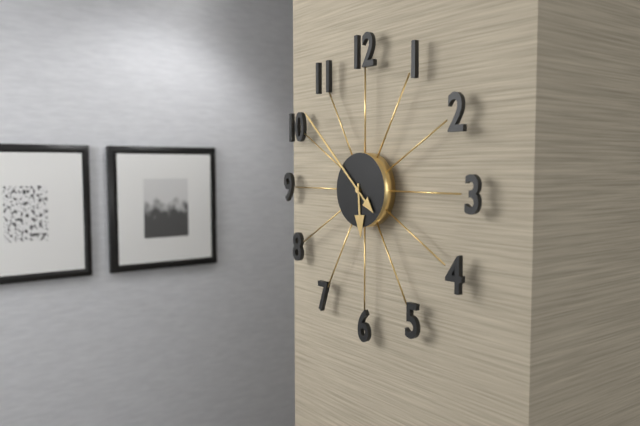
5:52
